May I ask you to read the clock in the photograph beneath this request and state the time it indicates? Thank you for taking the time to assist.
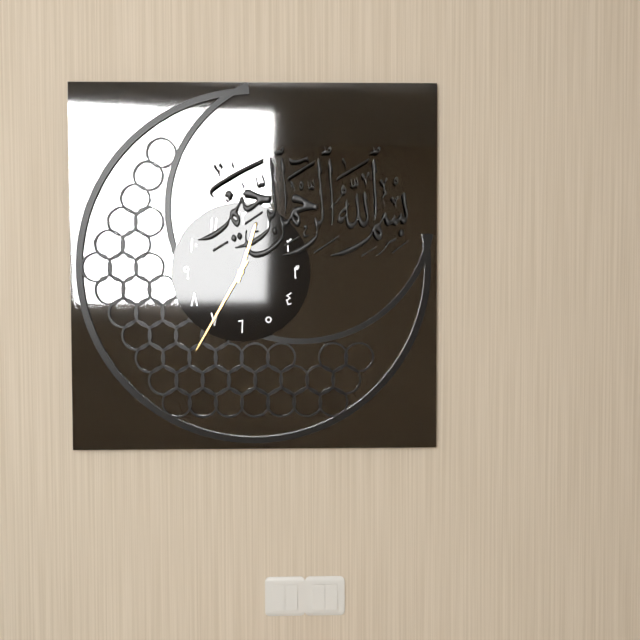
12:35
